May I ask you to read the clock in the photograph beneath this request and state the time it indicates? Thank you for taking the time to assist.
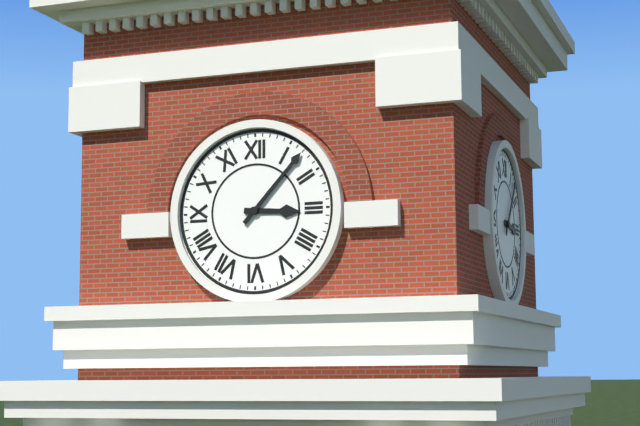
3:07
